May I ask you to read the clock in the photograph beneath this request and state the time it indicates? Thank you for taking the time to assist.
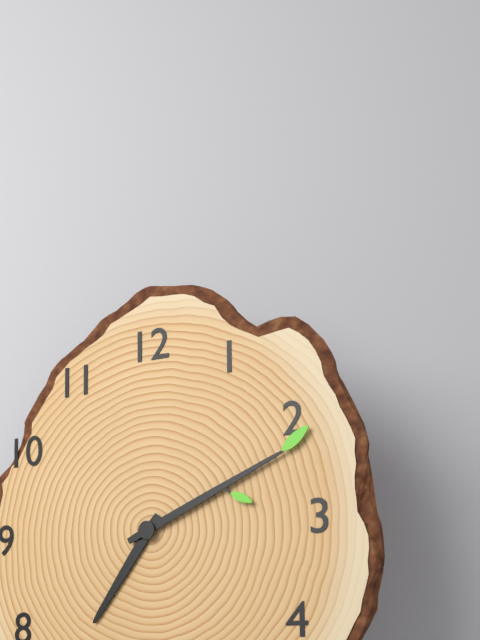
7:11
